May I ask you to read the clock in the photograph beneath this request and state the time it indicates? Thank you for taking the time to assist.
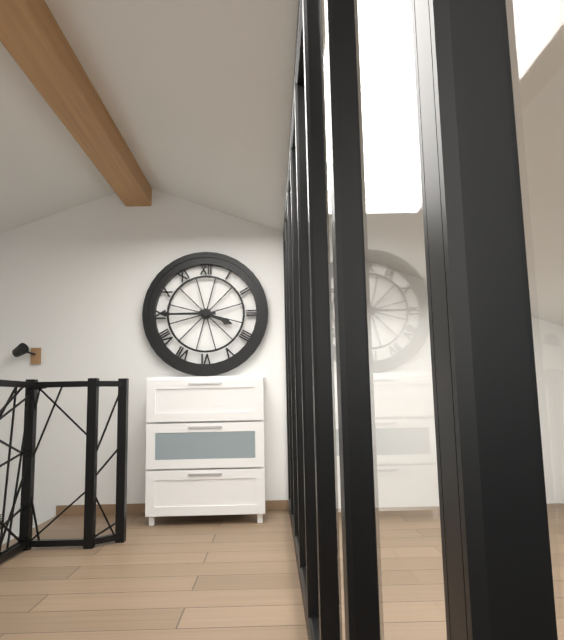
3:45
